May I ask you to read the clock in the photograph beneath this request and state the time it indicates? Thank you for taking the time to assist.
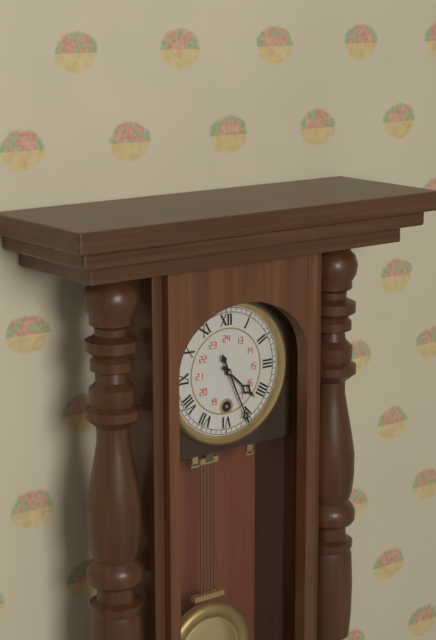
4:26
